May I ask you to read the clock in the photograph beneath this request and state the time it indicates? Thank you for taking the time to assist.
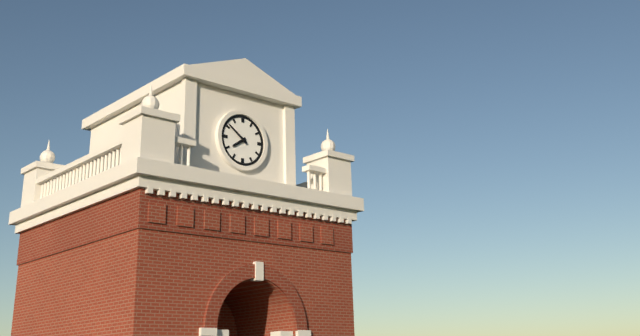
7:51
